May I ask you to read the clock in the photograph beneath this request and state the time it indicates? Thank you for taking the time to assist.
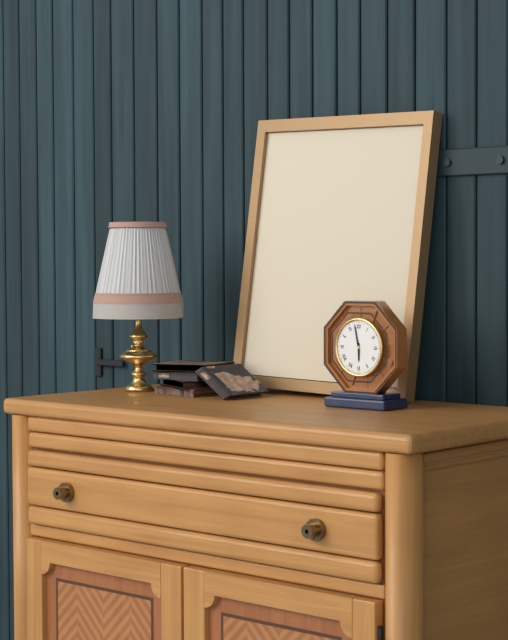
5:58
